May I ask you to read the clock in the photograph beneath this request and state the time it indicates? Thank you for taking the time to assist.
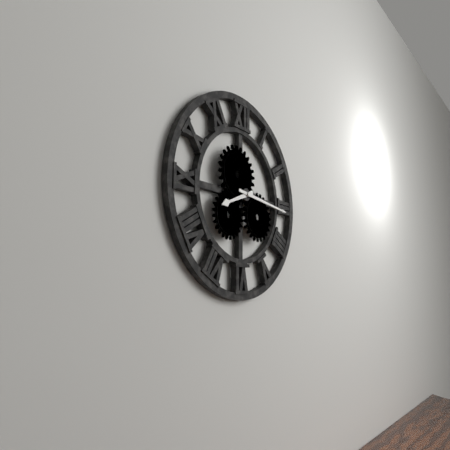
8:16
